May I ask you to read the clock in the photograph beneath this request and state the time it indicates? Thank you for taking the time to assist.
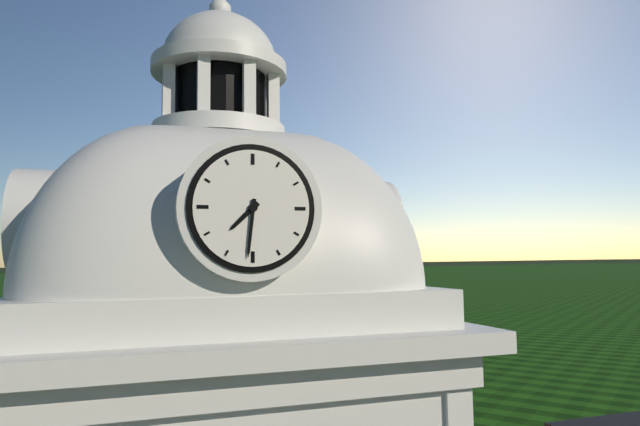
7:31
